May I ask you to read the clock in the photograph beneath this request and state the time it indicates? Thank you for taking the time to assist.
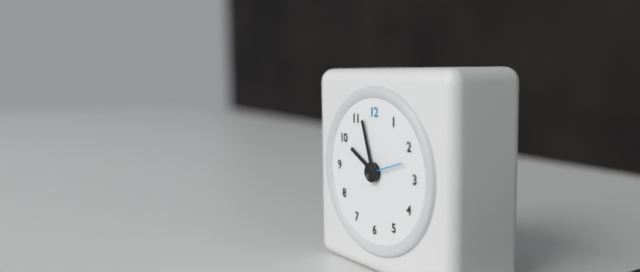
9:57
